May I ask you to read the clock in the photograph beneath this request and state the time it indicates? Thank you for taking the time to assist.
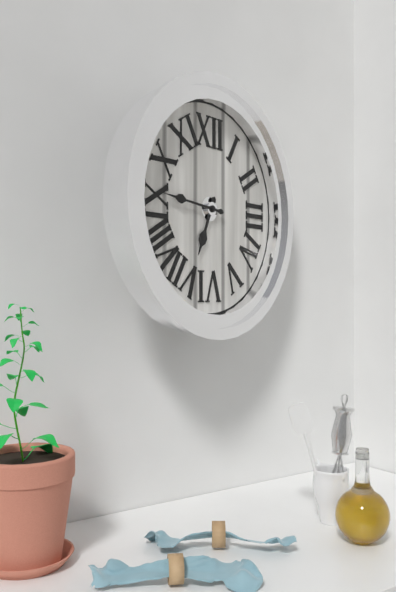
6:46
